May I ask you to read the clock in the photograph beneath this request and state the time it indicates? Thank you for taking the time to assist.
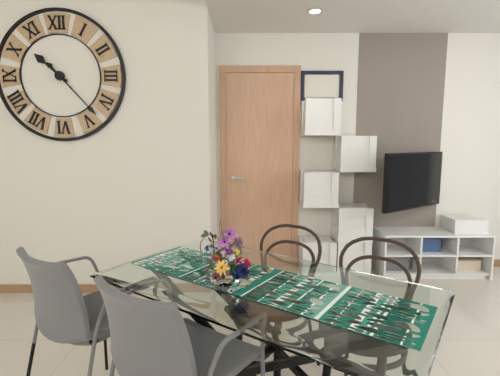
10:23
